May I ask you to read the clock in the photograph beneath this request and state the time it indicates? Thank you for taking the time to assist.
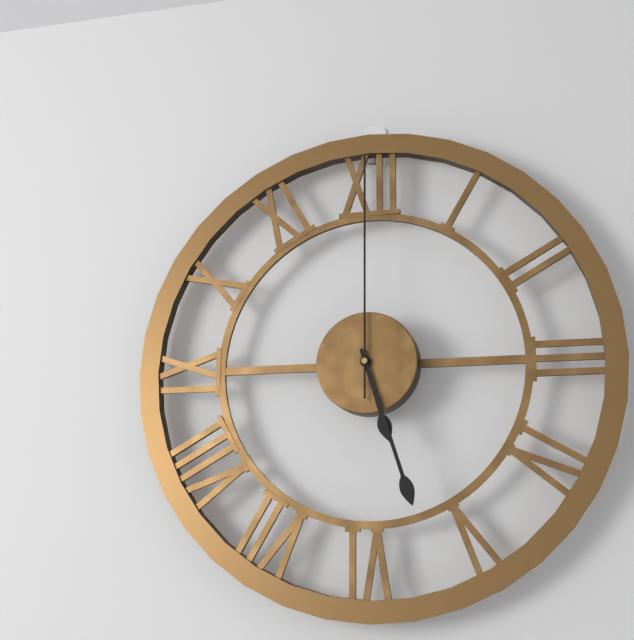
5:27:00
